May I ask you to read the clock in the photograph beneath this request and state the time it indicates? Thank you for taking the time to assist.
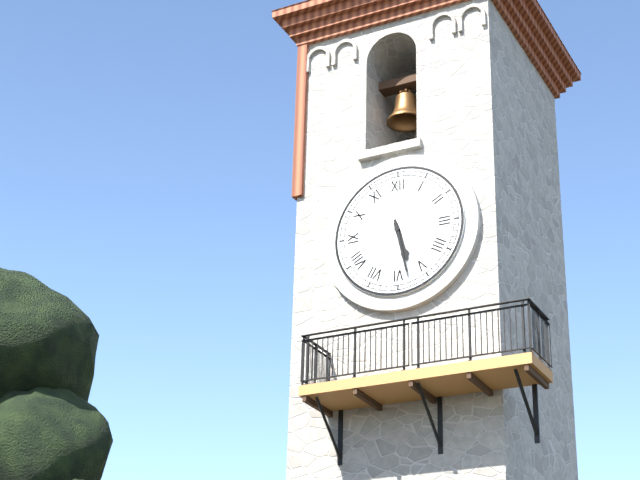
5:28
